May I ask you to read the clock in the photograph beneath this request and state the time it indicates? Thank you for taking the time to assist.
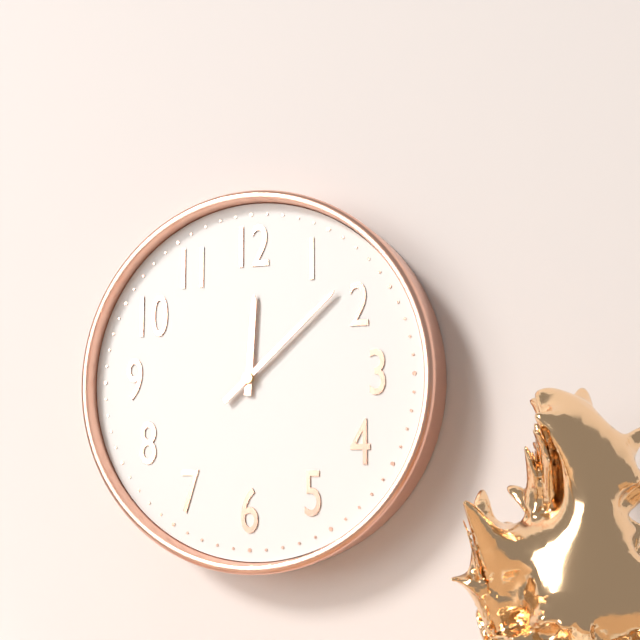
12:08
